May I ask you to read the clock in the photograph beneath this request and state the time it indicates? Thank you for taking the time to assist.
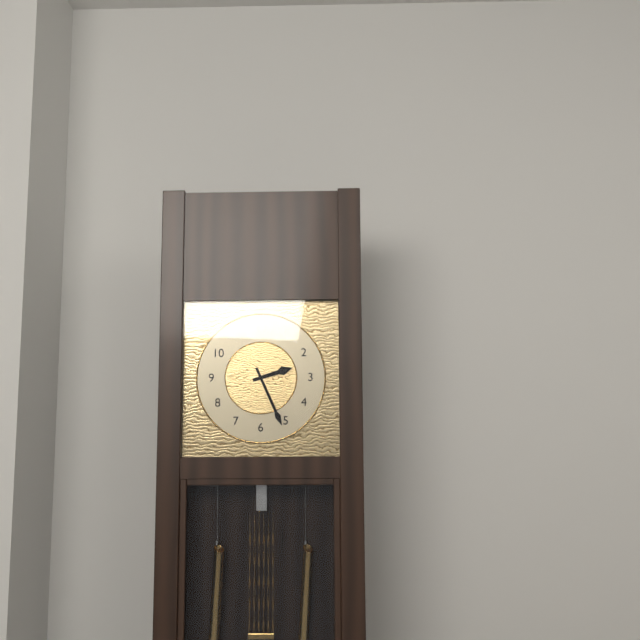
2:26
